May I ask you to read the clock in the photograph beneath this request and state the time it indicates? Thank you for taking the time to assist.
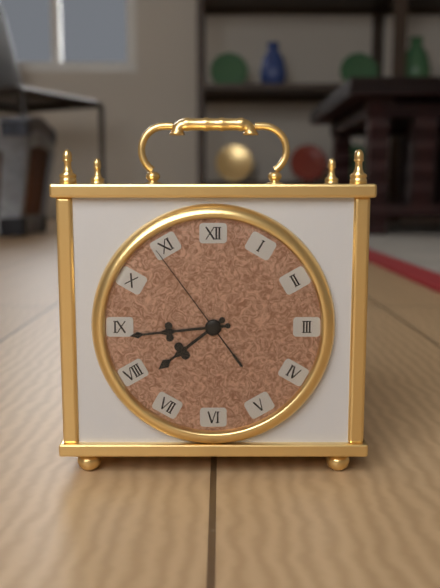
7:44:54
